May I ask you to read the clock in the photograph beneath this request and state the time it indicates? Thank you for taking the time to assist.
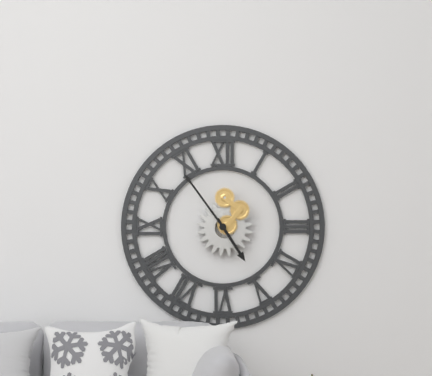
4:54
